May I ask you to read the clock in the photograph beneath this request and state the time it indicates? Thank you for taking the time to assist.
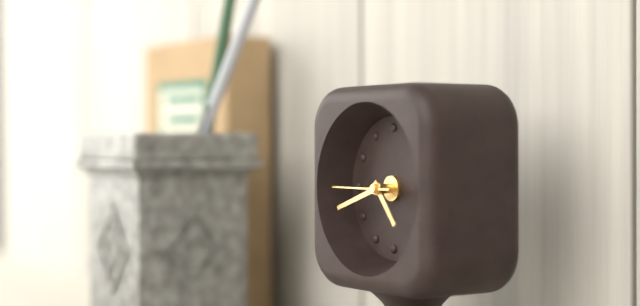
4:42:45
